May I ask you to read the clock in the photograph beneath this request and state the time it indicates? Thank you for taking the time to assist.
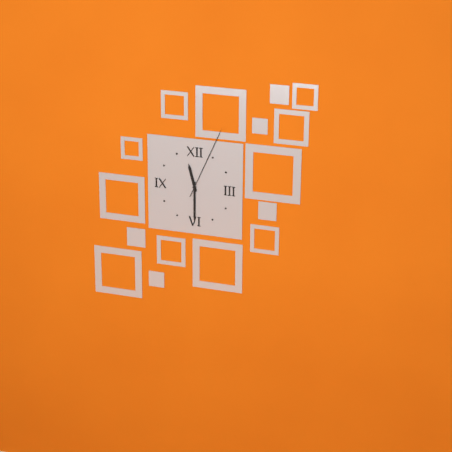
11:30:04
